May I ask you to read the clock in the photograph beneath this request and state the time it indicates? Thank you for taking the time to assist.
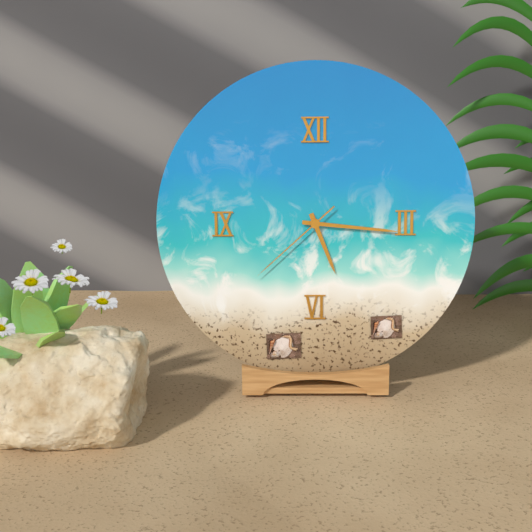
5:16:38
